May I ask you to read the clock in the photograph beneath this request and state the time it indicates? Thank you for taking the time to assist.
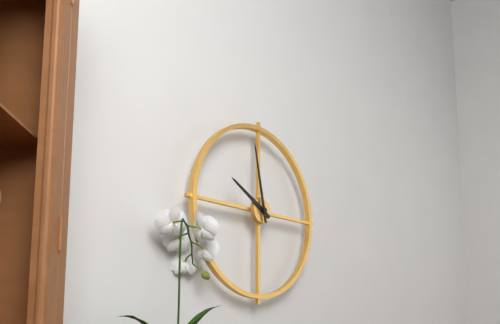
9:58
